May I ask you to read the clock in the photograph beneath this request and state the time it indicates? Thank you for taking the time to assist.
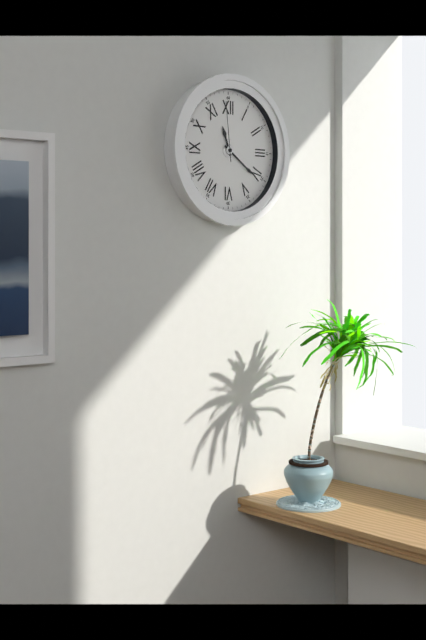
11:21:59
